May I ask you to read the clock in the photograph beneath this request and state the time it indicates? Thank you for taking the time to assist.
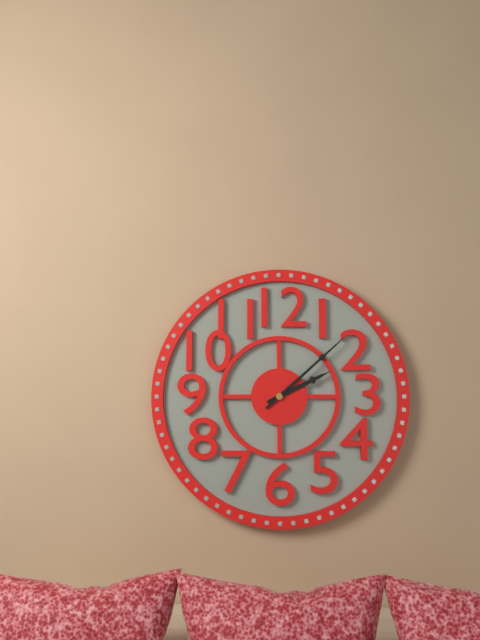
2:08
